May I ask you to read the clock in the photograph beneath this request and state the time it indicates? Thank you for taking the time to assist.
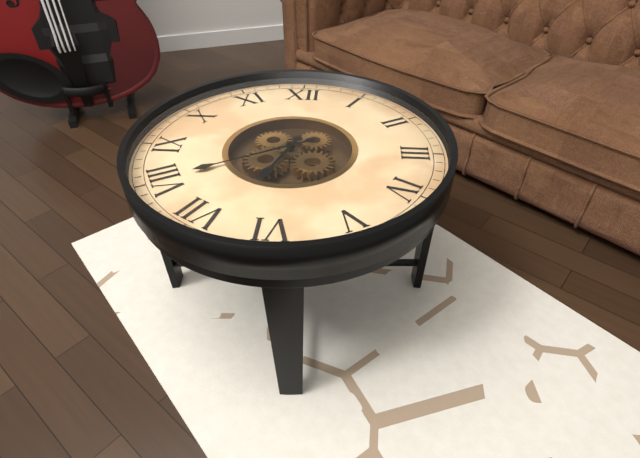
6:40
